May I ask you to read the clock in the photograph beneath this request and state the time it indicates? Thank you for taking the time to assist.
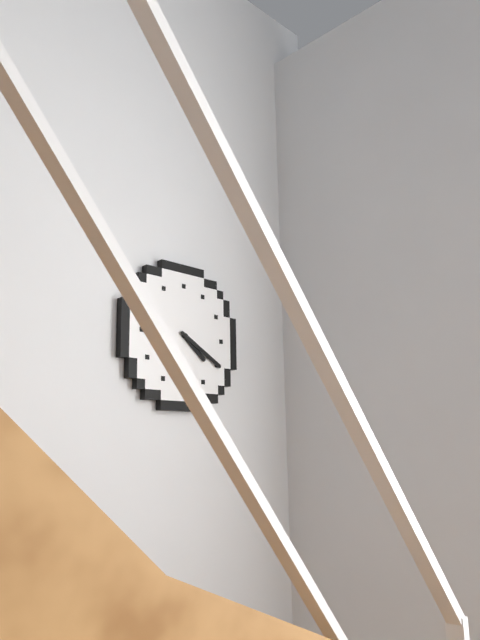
4:20
